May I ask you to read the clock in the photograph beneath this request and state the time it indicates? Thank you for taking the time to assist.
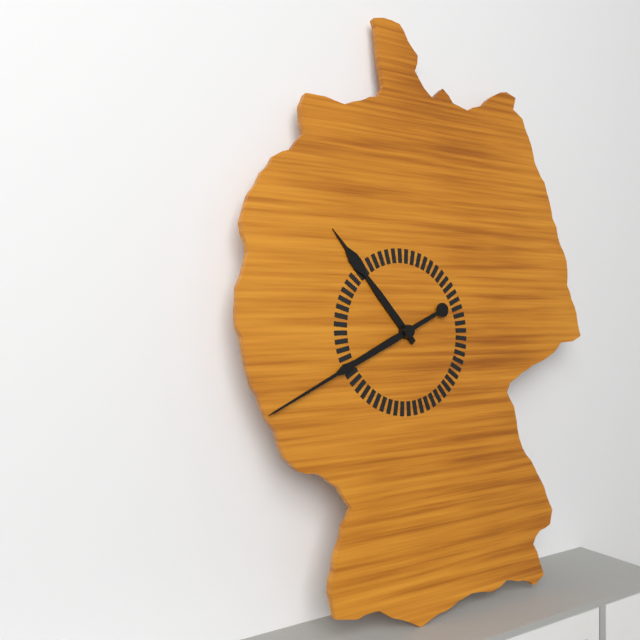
10:41
